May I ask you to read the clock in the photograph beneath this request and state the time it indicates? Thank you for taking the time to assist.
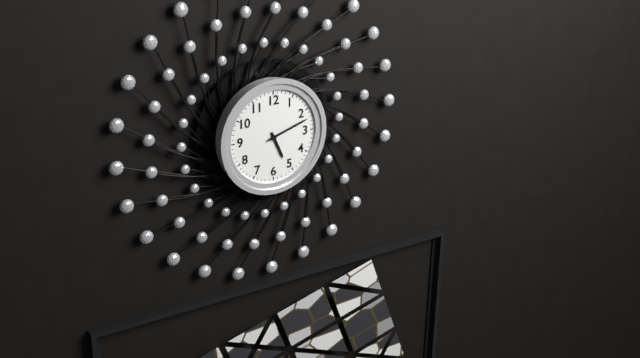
5:12
